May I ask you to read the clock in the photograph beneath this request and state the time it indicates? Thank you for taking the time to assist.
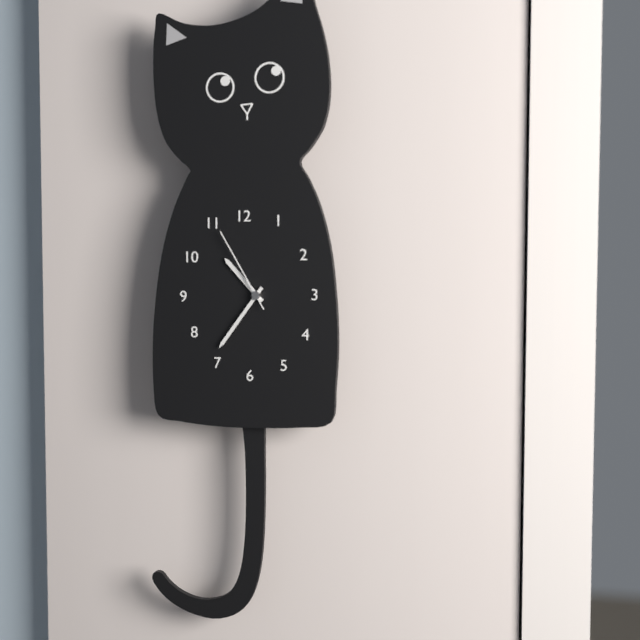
10:36:55
